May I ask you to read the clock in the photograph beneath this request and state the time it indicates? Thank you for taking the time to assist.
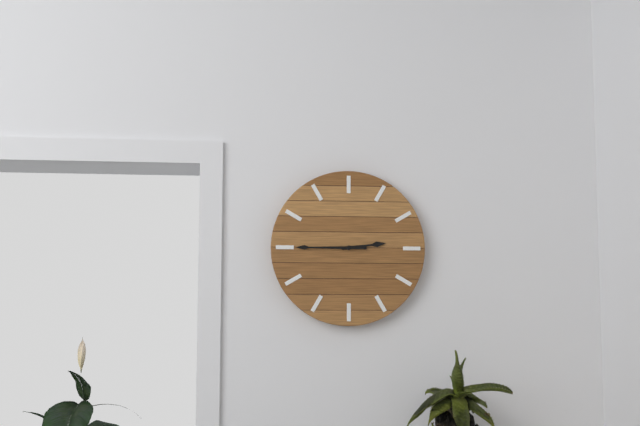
2:45
